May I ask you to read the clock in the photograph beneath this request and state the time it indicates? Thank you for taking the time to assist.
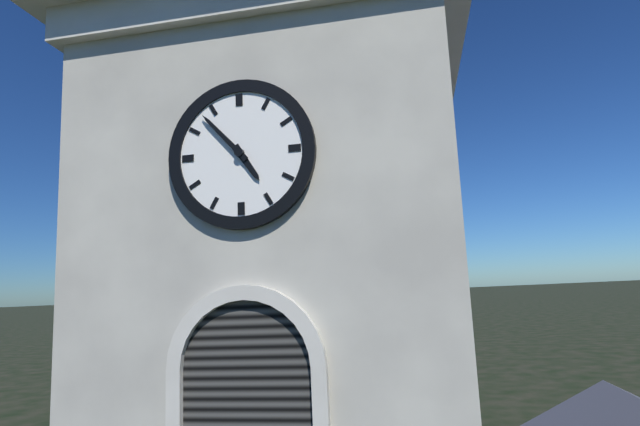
4:53
